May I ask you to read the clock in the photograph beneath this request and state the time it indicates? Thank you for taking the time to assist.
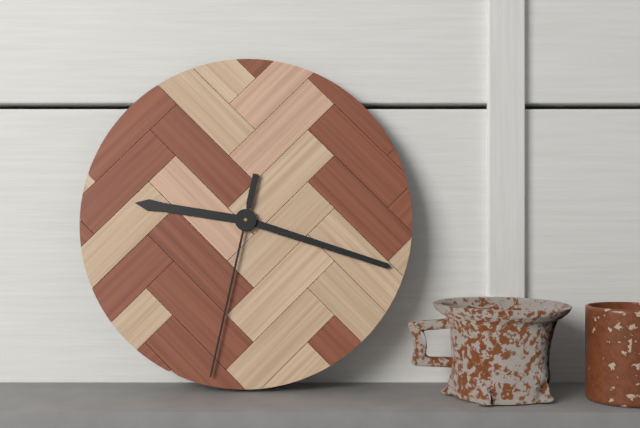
9:18:32
